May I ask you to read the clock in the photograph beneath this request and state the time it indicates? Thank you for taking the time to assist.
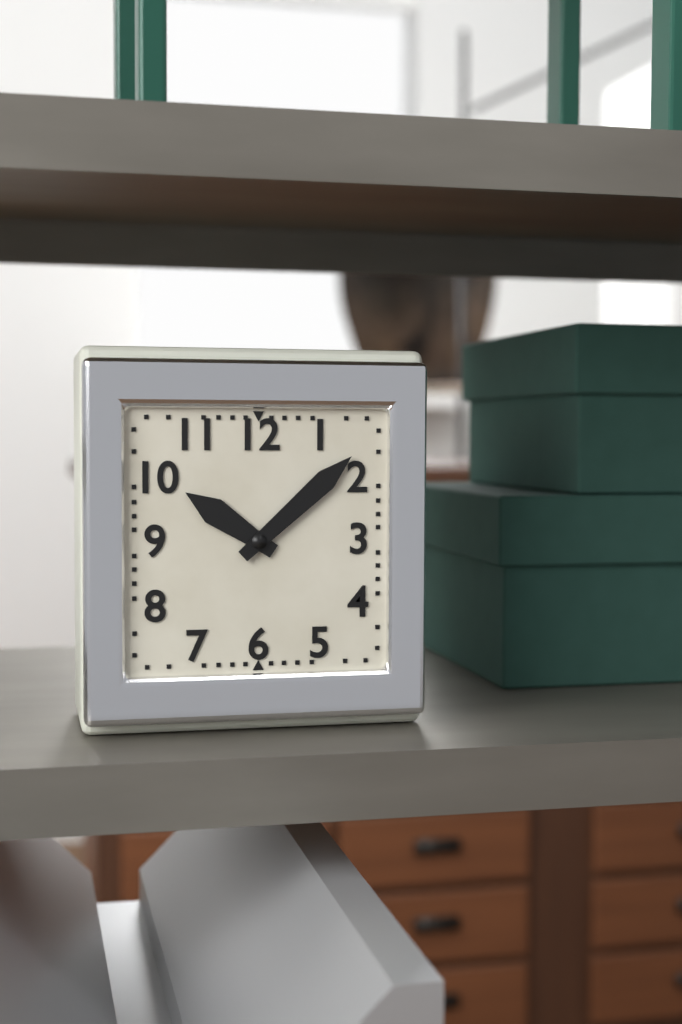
10:08
